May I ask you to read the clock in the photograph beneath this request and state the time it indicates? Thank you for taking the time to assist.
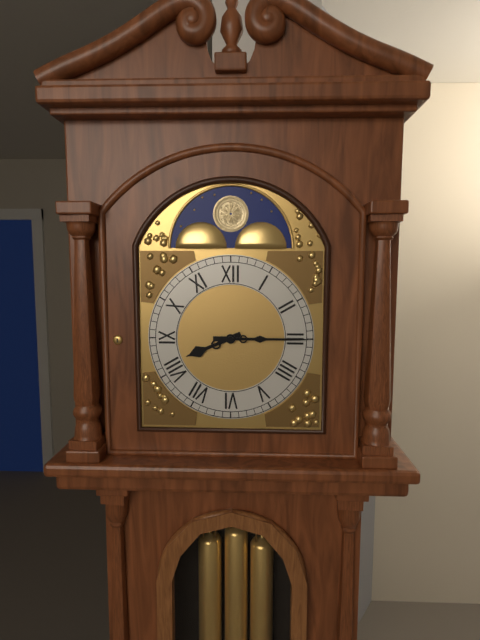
8:15
